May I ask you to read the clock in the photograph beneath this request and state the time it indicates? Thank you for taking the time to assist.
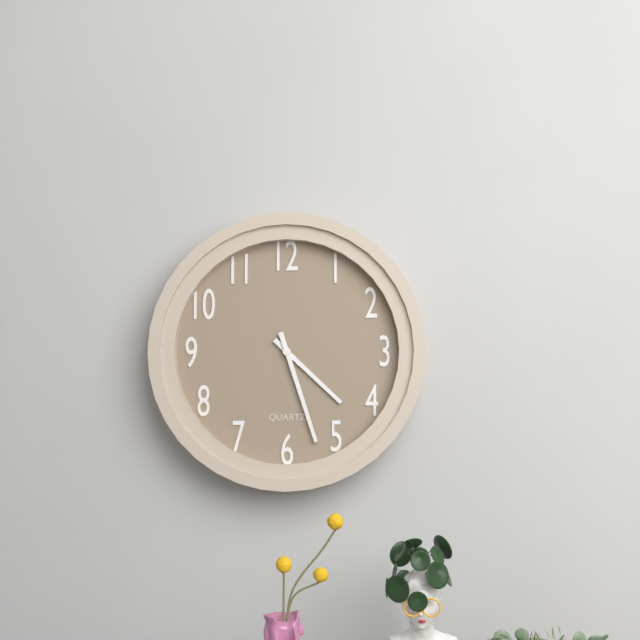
4:27
